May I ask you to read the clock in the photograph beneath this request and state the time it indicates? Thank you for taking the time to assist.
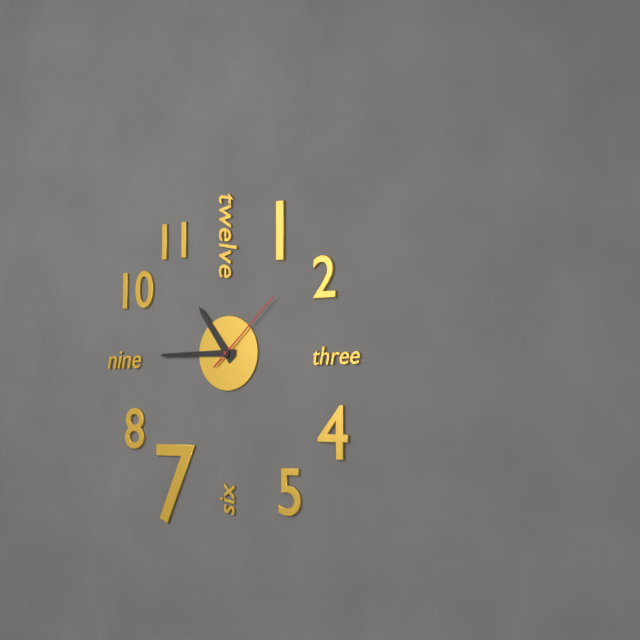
10:45:08
